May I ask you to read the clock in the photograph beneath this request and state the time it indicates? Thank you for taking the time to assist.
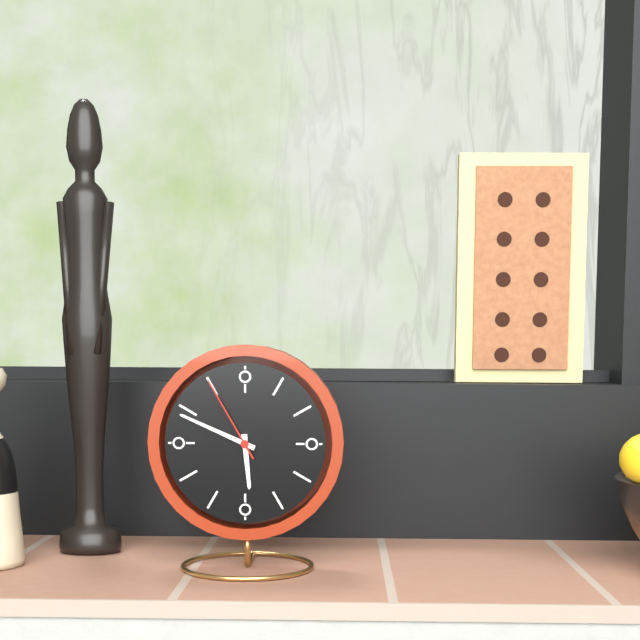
5:49:55
